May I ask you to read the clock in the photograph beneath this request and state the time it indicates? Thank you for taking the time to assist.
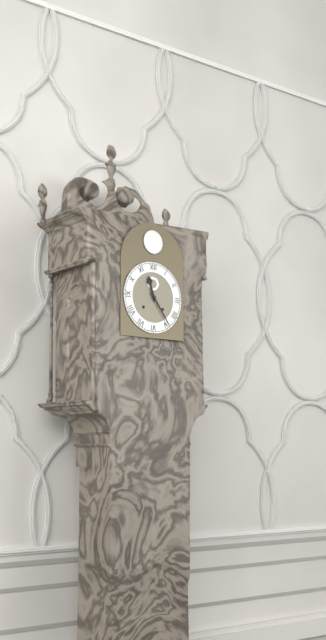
11:24
